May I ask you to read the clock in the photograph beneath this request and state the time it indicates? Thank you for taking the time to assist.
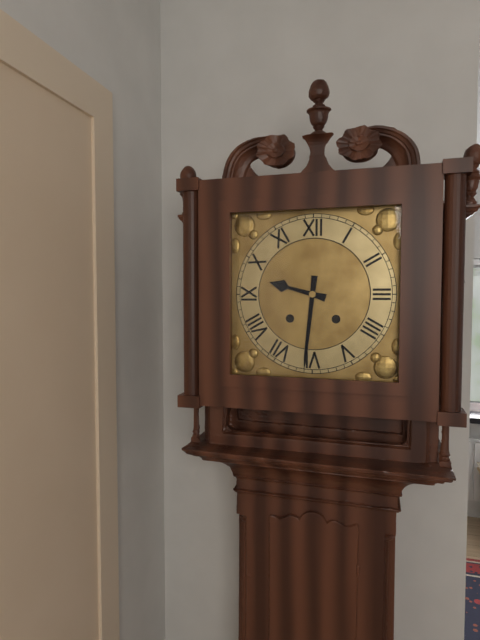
9:31
